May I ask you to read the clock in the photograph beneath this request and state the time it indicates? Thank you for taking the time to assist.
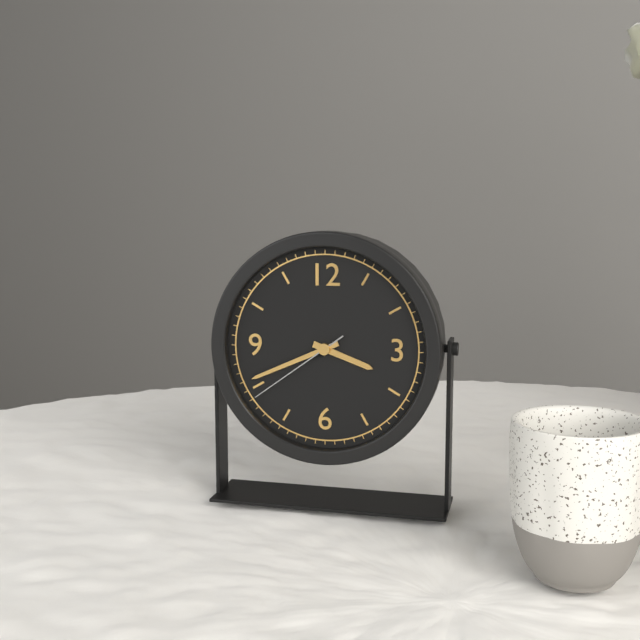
3:41:39
